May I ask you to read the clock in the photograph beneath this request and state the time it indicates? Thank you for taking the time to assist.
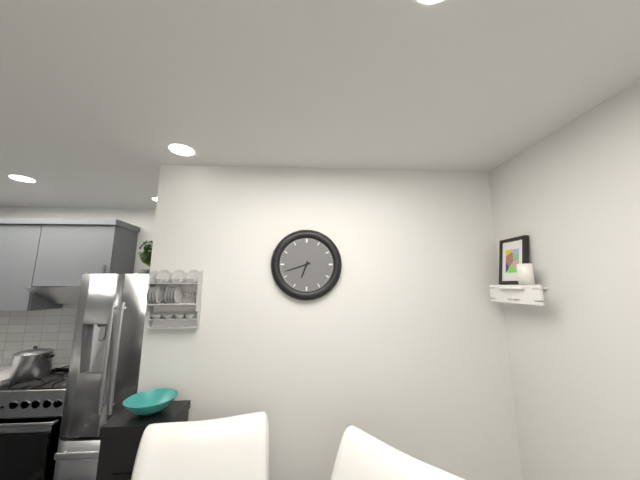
6:42
